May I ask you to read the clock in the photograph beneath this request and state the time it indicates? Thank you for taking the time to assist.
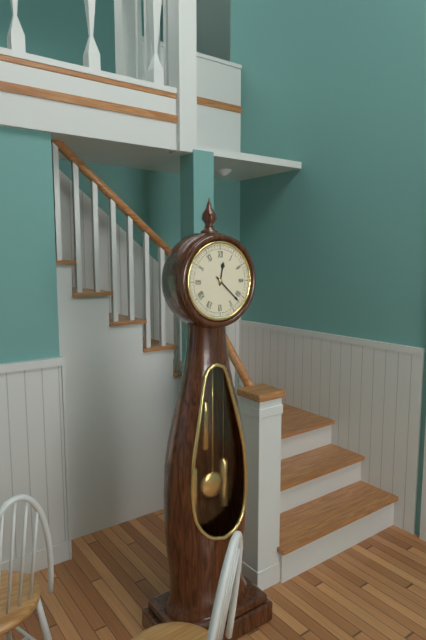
12:22
